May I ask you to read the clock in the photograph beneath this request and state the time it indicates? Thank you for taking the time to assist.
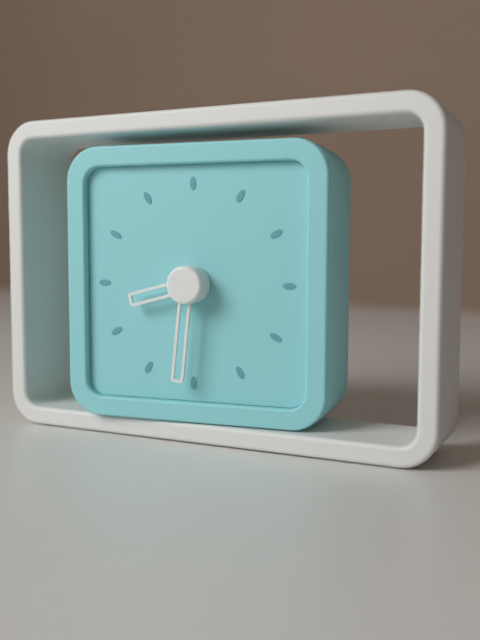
8:31
